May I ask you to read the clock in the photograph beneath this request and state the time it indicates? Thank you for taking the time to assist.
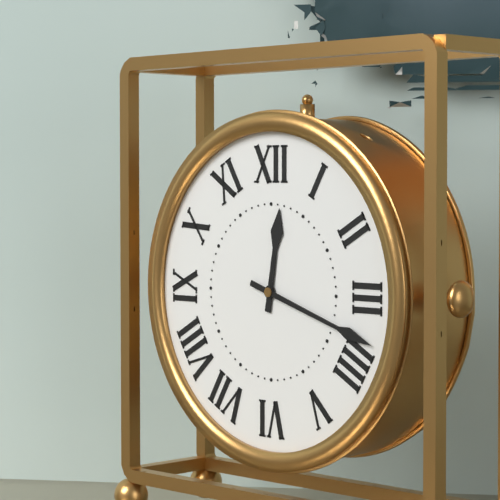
12:18
